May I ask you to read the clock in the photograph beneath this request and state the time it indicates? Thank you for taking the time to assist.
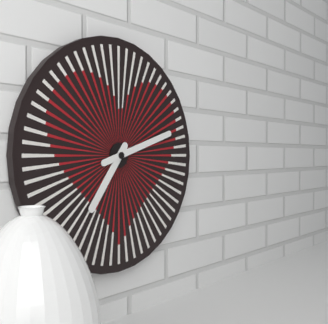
7:12
